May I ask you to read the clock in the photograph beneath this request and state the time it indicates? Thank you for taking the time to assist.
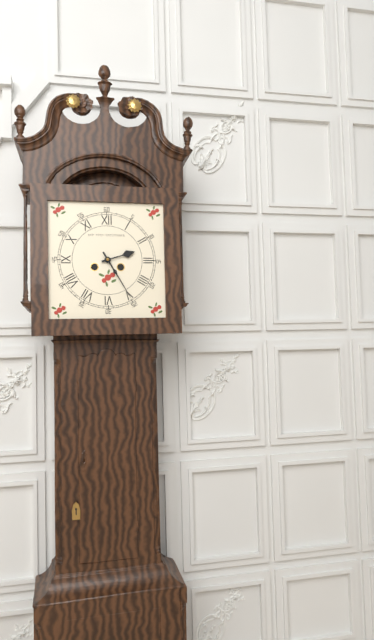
2:25
